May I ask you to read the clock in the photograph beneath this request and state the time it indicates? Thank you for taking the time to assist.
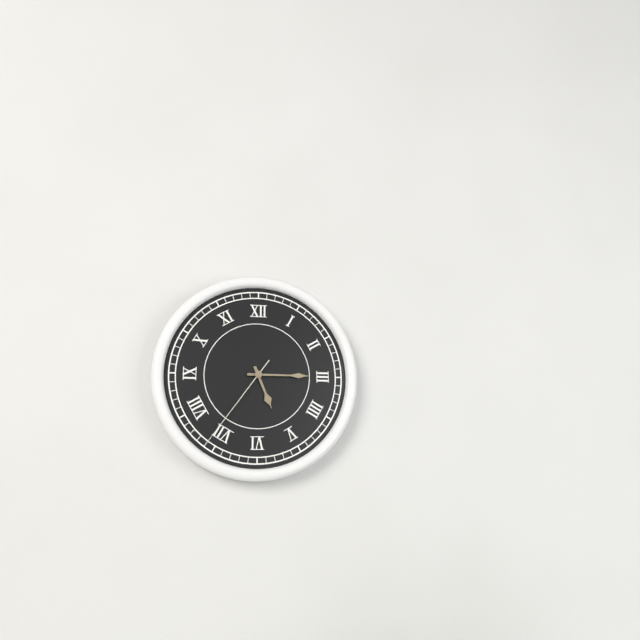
5:15:36
